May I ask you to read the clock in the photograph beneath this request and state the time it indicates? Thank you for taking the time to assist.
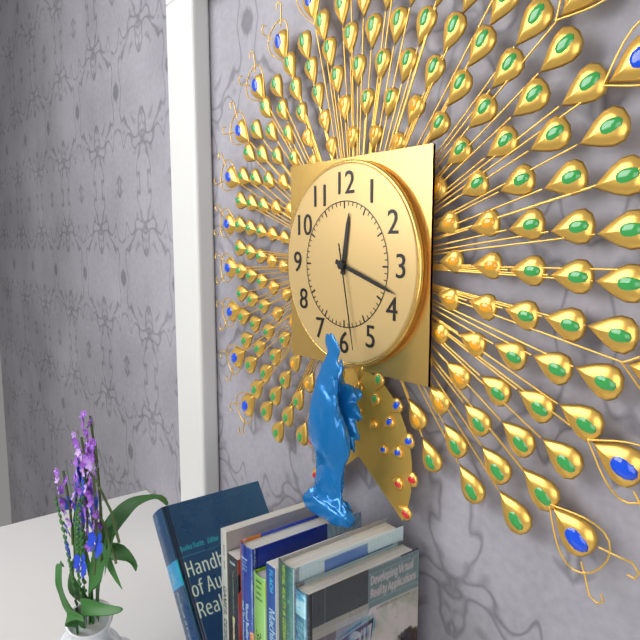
12:18:28
